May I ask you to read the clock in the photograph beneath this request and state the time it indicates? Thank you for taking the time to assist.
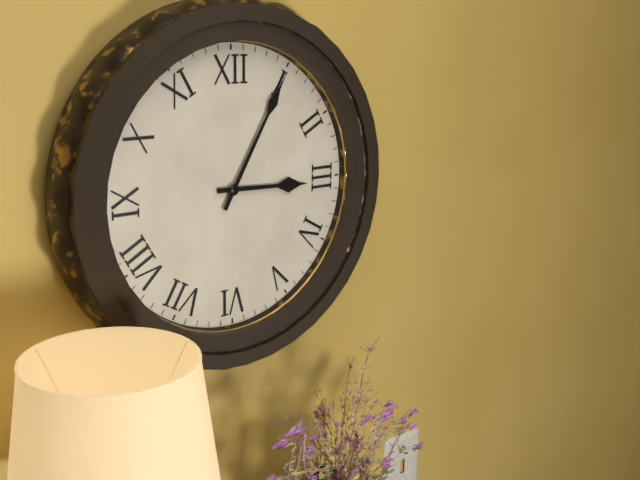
3:05
